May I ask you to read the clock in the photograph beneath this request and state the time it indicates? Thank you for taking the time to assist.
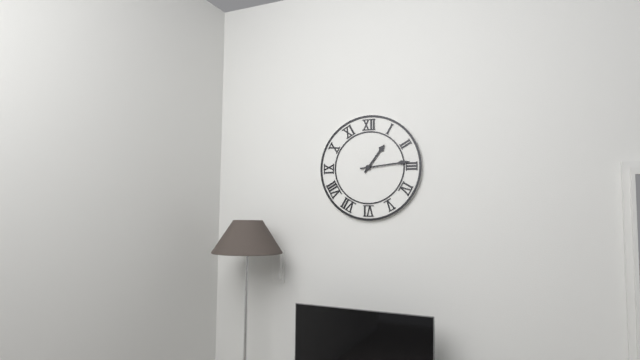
1:14
